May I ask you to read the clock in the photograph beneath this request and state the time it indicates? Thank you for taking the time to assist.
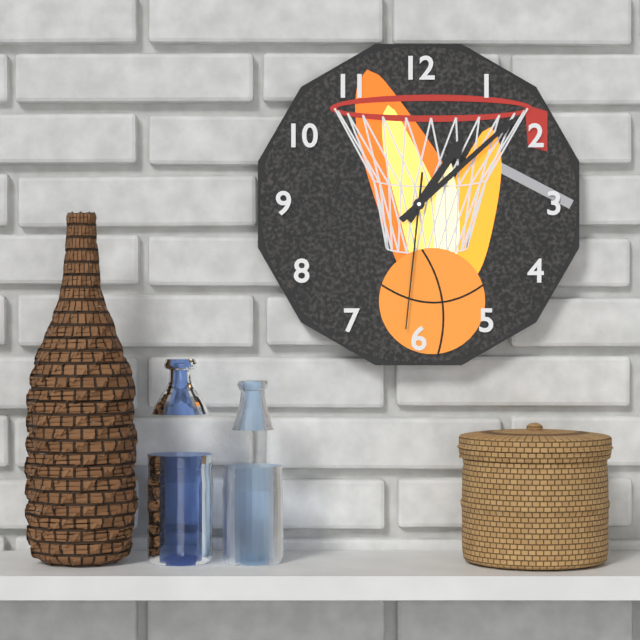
1:08:31
